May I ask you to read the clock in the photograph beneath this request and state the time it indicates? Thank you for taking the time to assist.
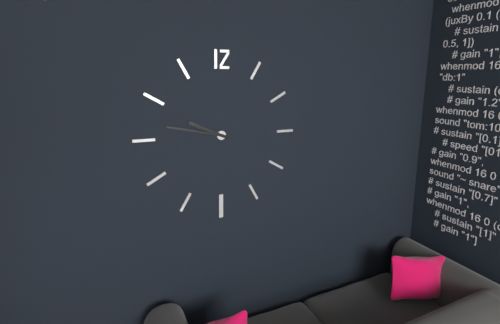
9:47
